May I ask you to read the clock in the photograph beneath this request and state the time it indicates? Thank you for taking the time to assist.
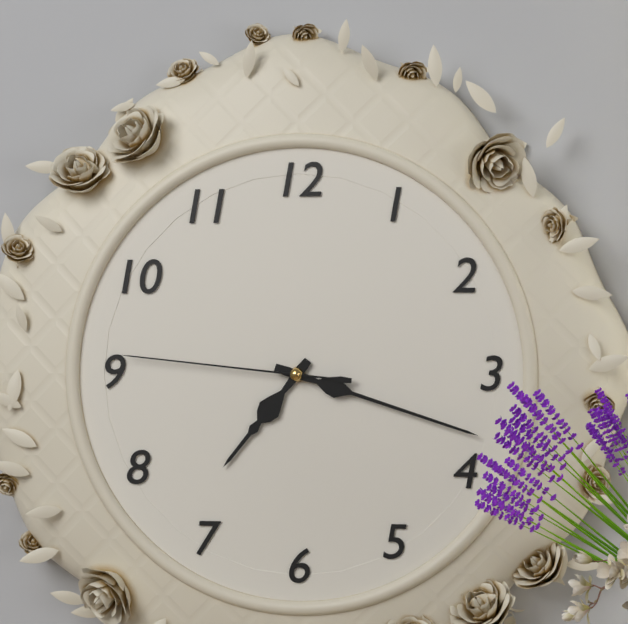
7:18:46
